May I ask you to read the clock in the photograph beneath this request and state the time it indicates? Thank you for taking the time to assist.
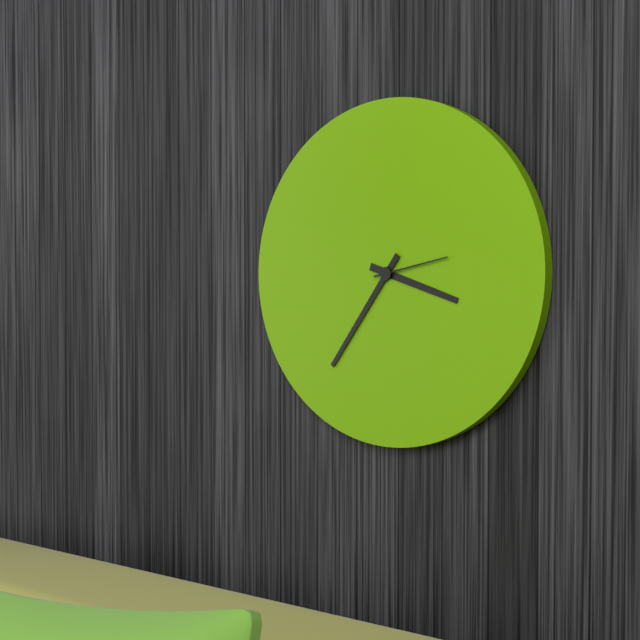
3:36:13
